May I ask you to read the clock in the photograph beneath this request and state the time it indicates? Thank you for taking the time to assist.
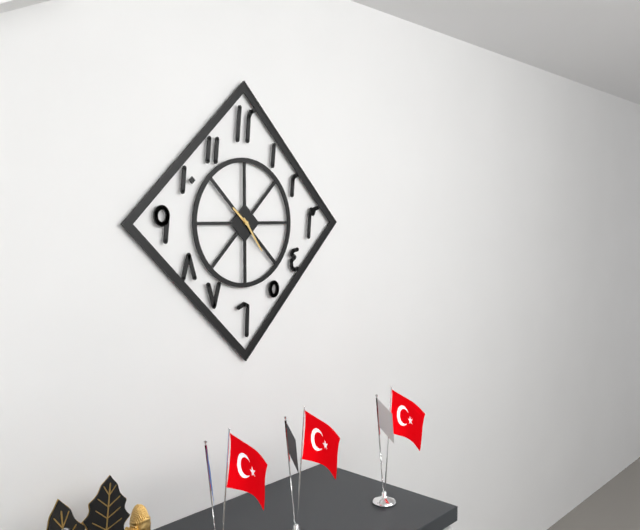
10:24
